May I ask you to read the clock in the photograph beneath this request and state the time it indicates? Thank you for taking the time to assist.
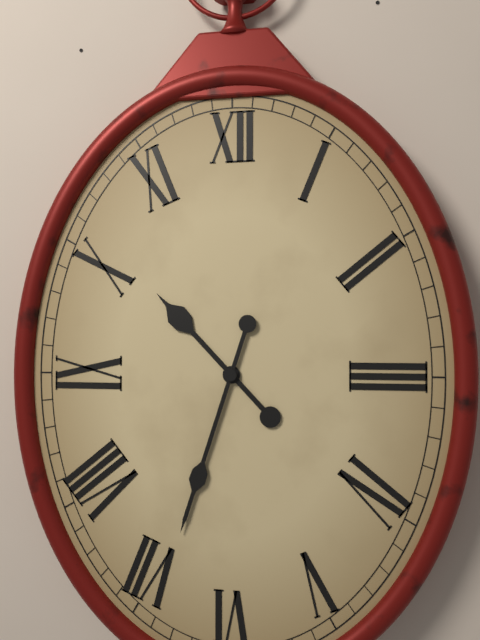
10:33
